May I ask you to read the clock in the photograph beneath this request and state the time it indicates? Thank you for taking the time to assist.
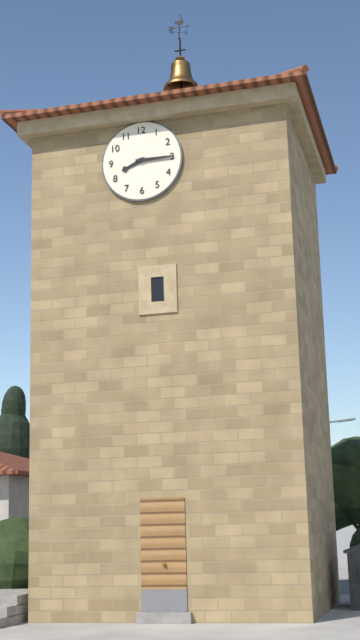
8:15
